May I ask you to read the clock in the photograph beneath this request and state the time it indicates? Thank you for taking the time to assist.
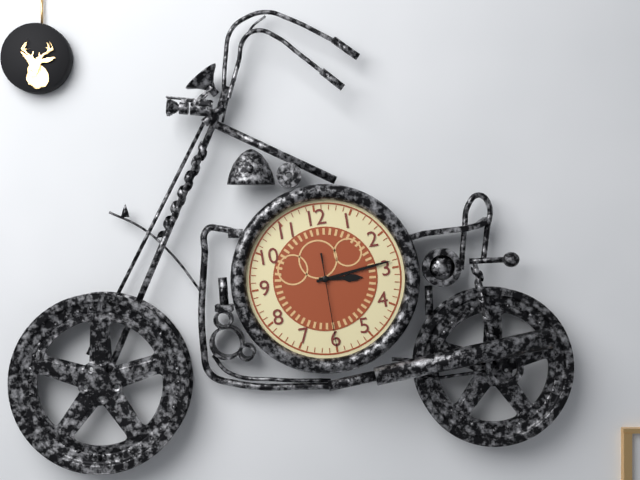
3:14:30
